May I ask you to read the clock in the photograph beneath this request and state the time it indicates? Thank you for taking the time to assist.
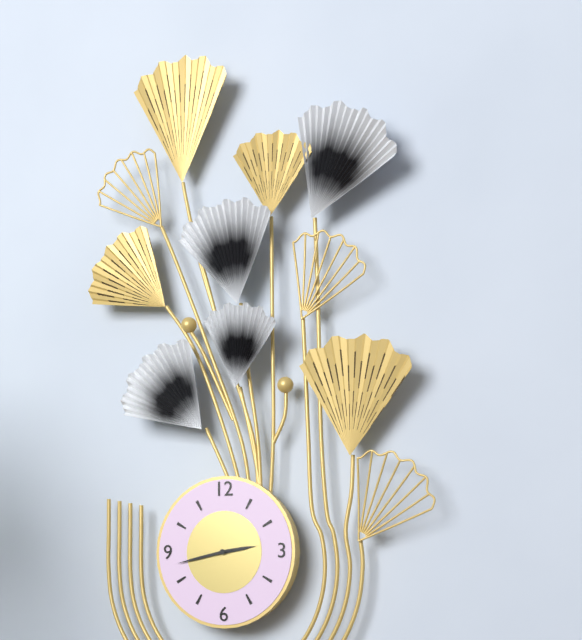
2:43
